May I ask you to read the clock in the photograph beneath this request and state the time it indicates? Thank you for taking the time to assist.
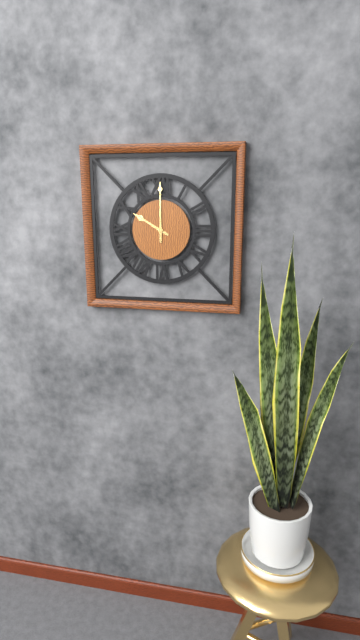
10:00
